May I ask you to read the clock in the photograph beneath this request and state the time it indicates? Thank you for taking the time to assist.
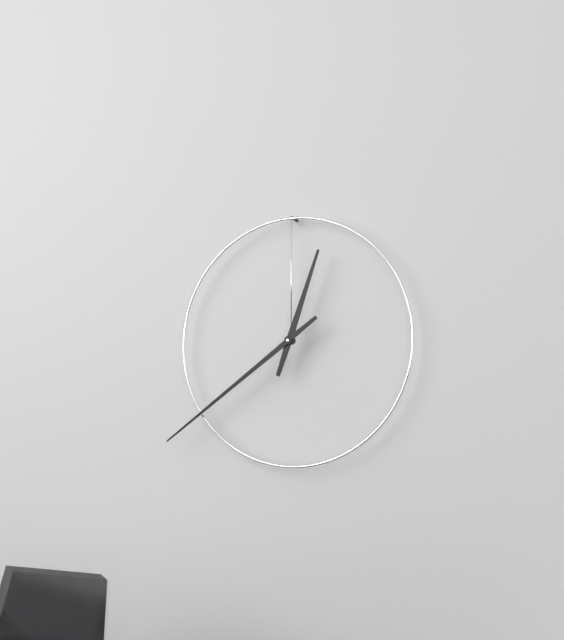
12:39
